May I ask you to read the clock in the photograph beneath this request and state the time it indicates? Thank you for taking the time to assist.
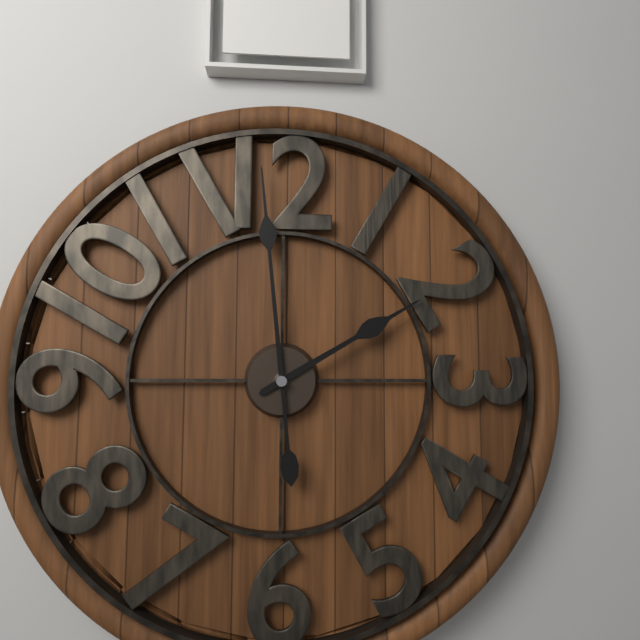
1:59
